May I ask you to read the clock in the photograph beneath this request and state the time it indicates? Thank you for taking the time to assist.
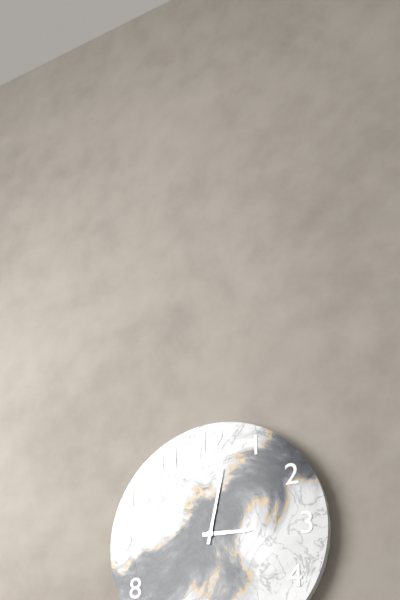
3:02
